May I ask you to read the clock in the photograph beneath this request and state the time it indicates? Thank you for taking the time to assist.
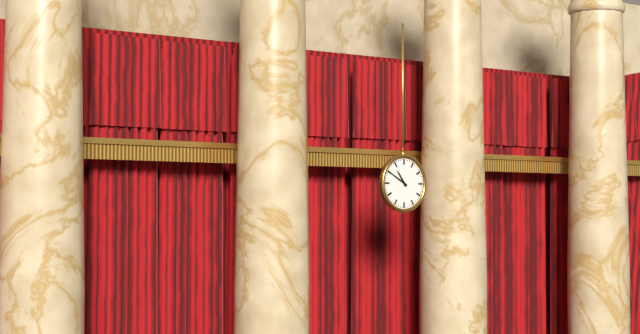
10:50
